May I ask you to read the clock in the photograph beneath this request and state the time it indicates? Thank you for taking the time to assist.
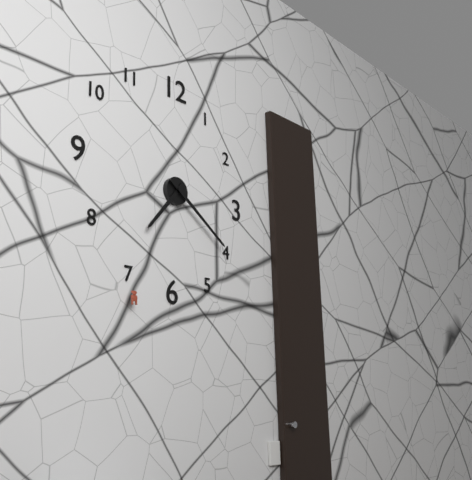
7:21
